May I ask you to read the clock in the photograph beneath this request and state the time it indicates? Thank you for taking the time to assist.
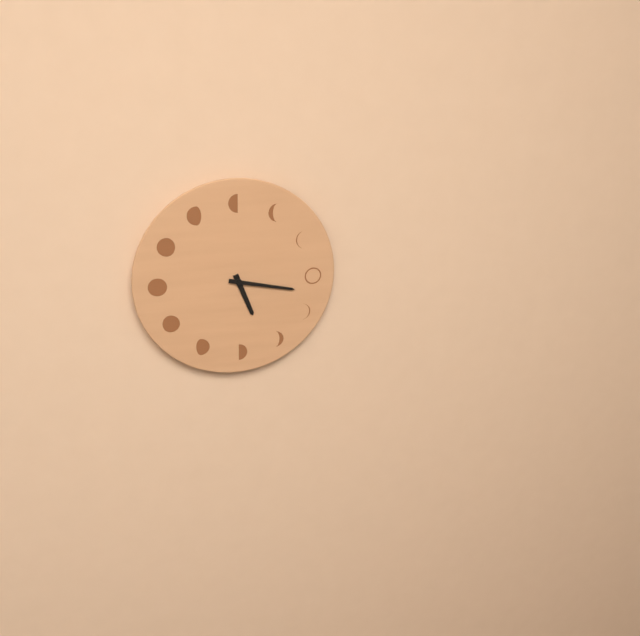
5:17
